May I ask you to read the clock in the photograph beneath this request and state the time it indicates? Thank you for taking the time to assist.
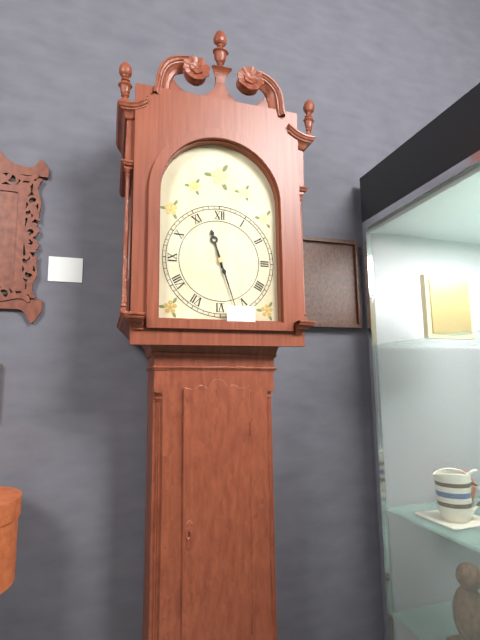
11:27
